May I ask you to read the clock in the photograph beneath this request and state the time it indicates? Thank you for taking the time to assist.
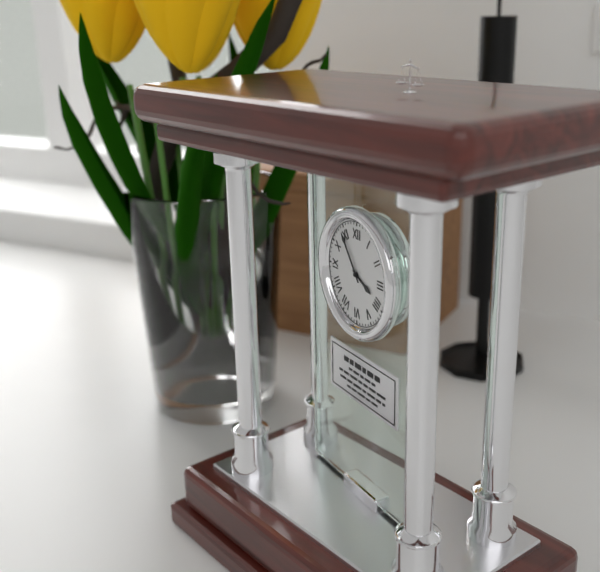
3:54
